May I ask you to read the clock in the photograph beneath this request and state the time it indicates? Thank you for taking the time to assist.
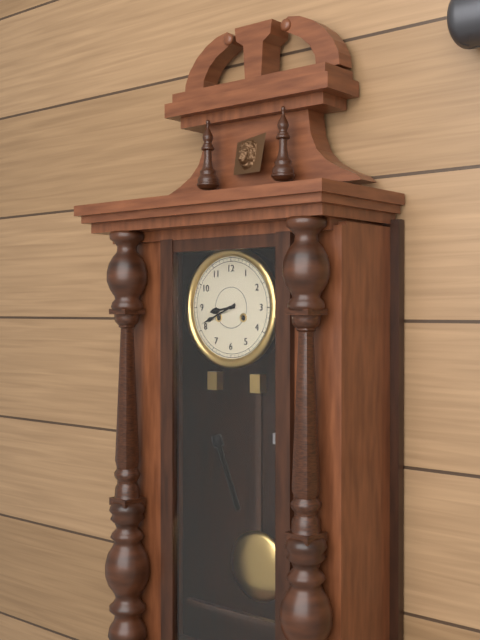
8:41
